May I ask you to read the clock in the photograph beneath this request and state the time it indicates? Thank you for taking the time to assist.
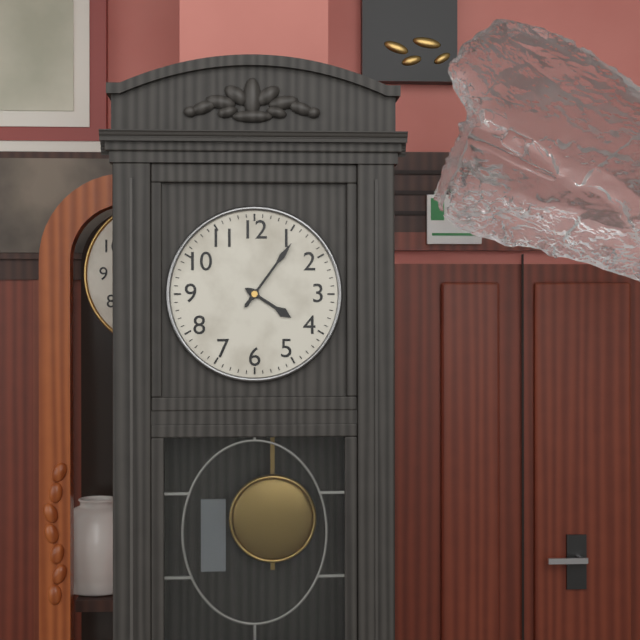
4:06
